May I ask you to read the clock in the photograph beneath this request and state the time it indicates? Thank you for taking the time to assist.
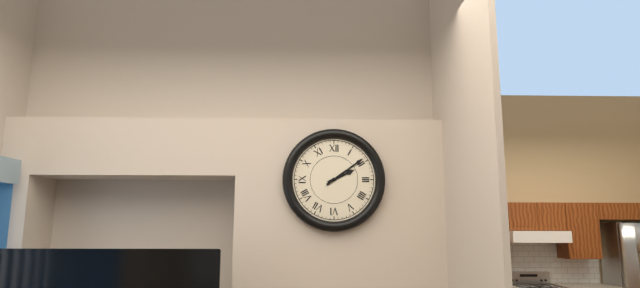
2:09
